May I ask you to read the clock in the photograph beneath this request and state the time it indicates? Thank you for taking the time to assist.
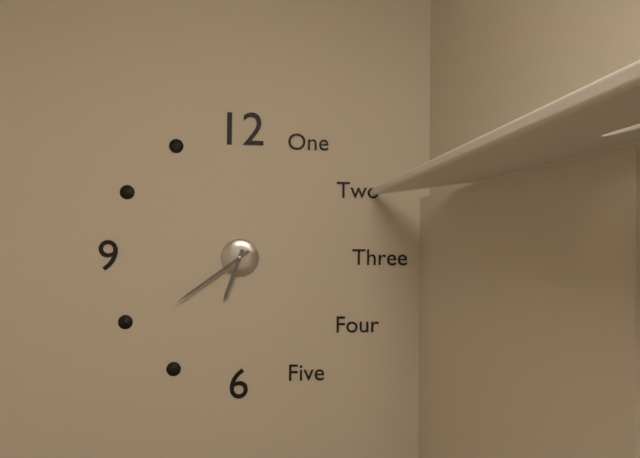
6:39
